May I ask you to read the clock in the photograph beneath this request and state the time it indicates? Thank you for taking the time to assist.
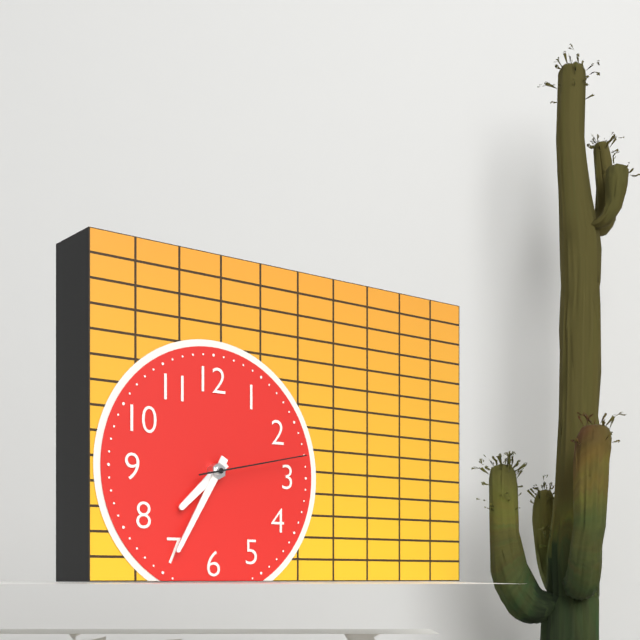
7:35:13
